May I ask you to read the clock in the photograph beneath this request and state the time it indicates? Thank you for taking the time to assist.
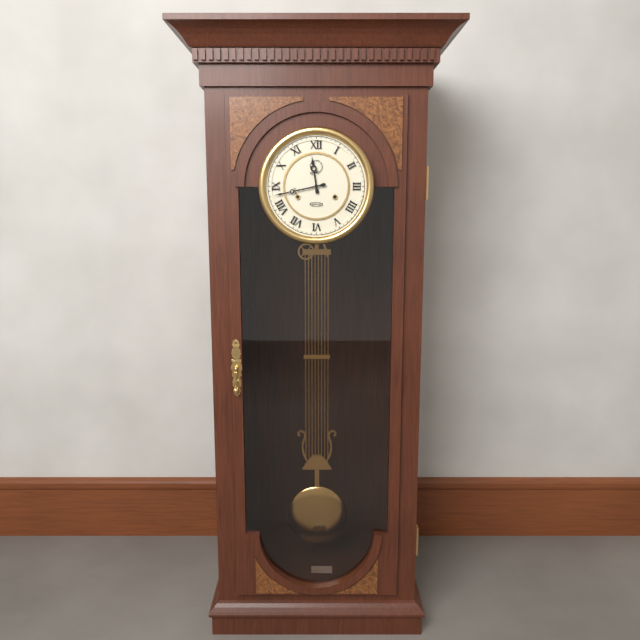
11:43
